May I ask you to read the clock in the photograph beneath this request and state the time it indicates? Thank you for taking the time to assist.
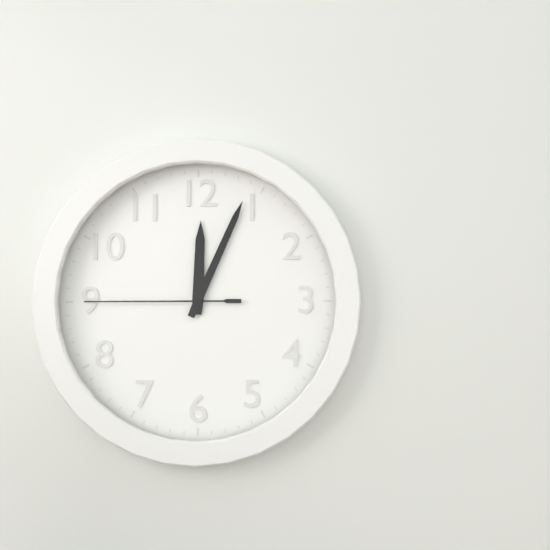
12:04:45
